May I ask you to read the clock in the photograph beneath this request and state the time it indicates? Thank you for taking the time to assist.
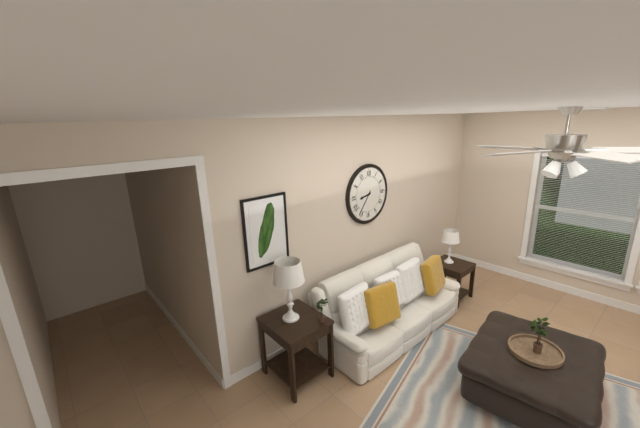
8:36
